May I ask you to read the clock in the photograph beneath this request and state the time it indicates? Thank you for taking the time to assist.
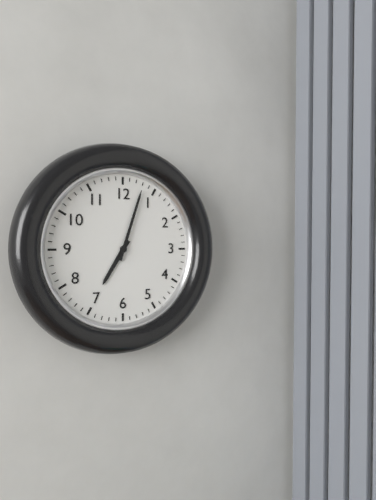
7:03
